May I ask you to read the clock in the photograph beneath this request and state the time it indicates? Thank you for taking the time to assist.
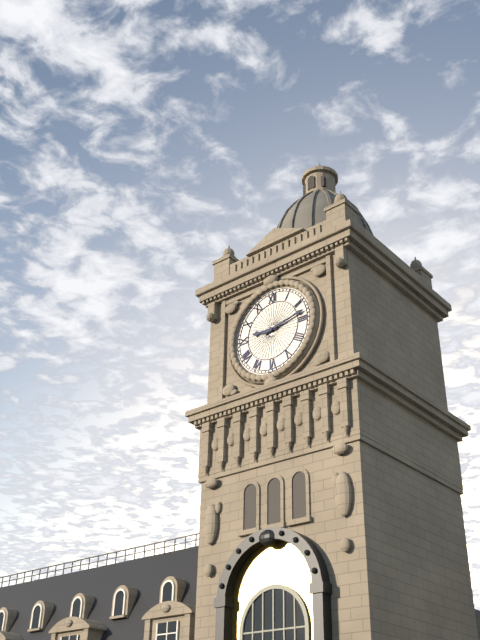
9:13
